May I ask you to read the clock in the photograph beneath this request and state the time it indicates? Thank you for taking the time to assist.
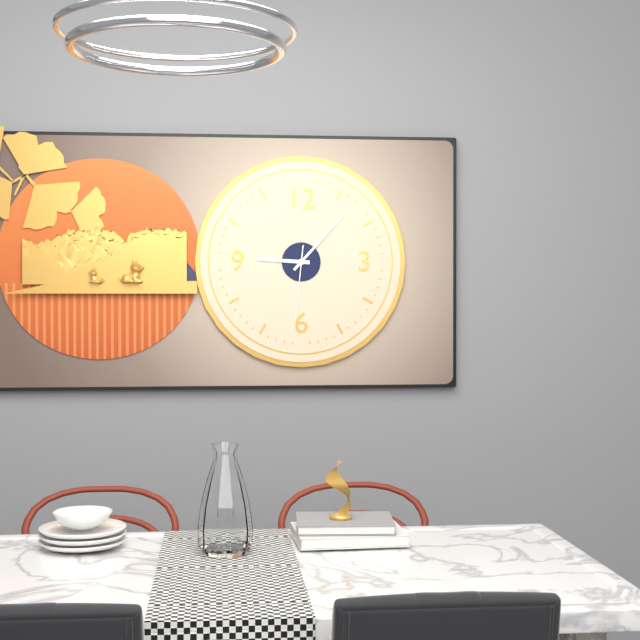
9:07:31
